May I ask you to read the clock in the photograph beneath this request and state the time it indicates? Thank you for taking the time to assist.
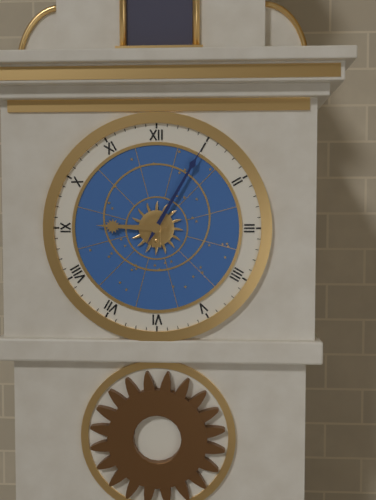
9:05
